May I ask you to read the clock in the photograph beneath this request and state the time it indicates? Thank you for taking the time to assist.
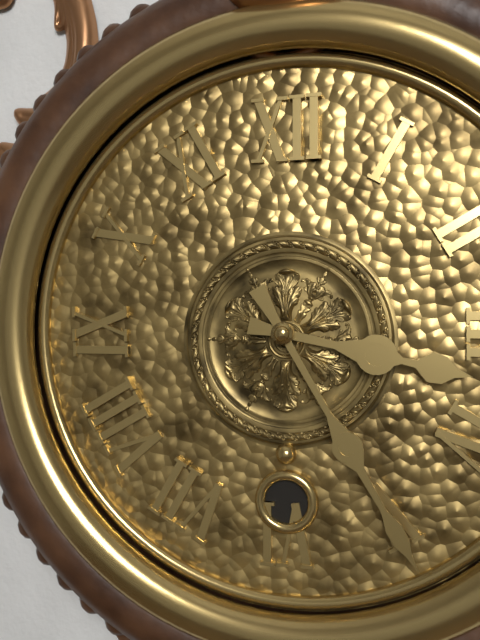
3:25
